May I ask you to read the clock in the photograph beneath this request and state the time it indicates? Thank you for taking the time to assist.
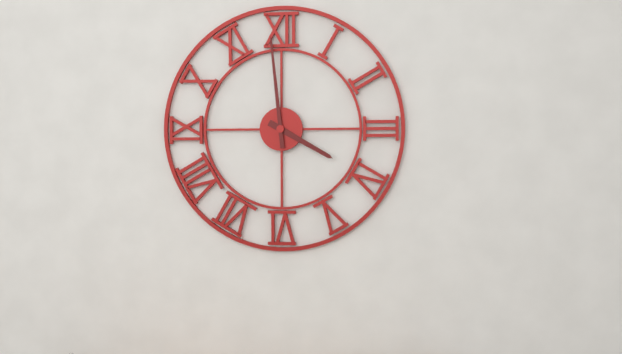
3:59
